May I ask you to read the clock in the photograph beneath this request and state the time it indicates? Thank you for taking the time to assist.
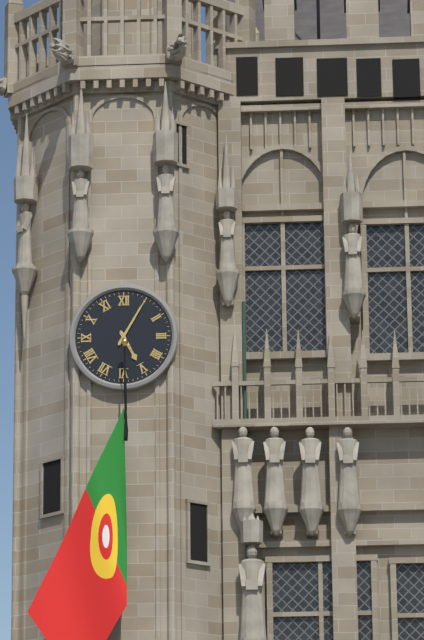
5:05
